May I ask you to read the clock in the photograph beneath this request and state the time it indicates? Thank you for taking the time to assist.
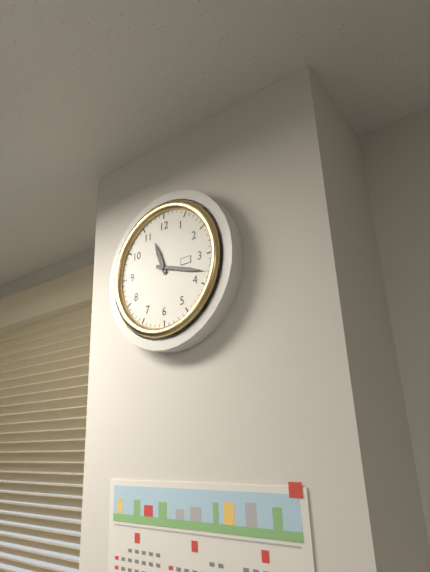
11:18
